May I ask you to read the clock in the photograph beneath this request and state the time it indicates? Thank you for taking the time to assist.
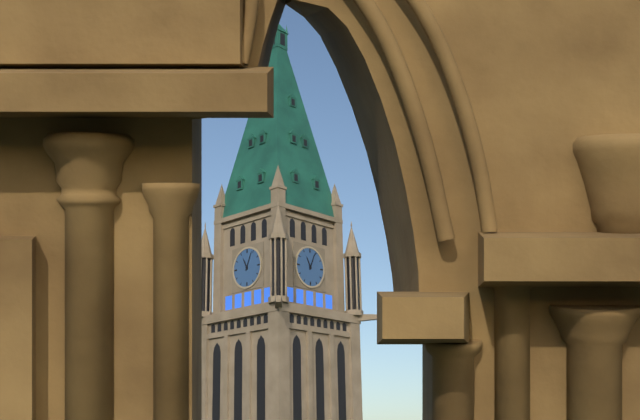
11:04
